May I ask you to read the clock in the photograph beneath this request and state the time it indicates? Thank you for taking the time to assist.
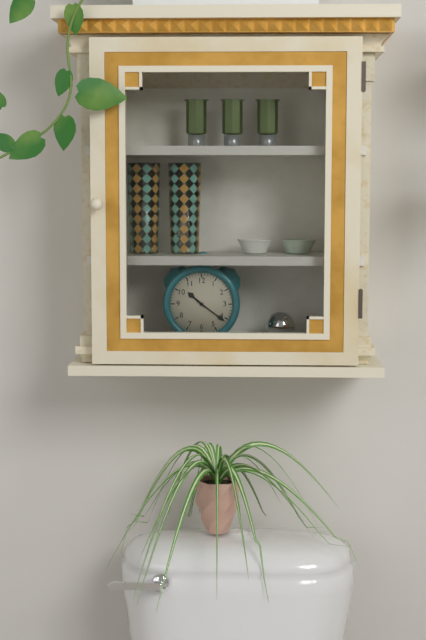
10:21
